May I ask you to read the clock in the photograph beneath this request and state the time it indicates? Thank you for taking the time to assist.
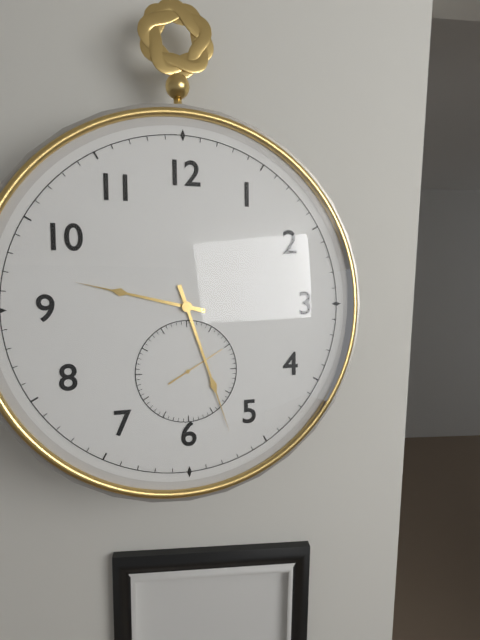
9:27:10
